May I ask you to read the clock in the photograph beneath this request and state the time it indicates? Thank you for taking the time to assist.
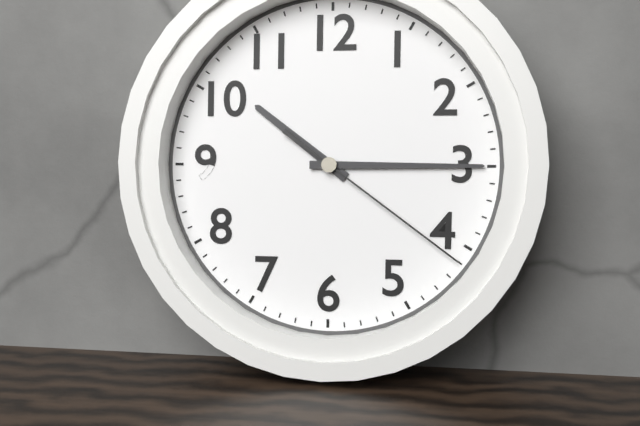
10:15:21
